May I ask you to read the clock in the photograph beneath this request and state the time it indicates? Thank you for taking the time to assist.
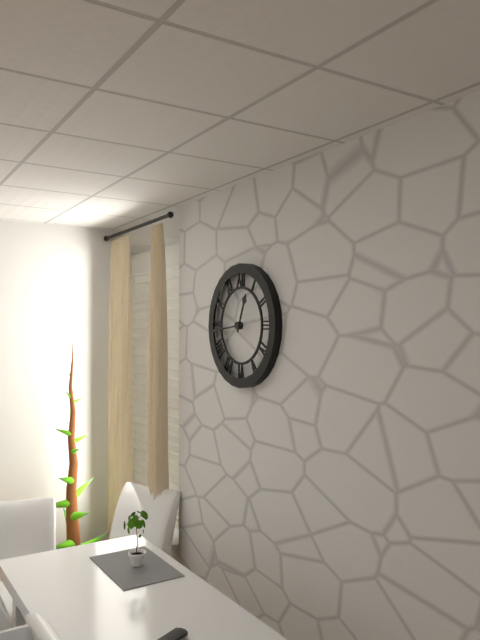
12:44
